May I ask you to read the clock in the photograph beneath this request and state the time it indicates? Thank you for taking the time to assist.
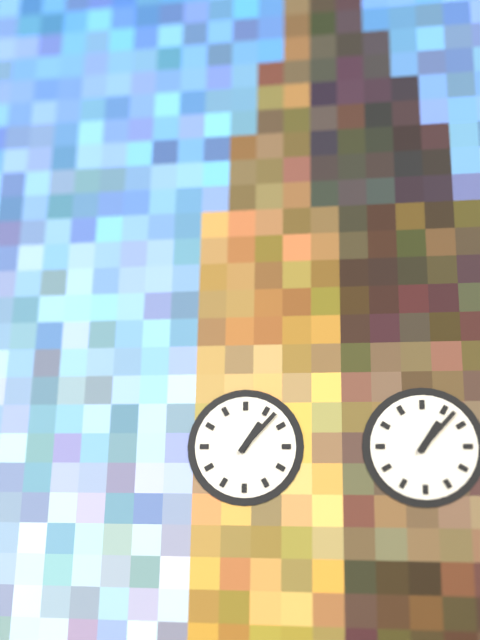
1:07
